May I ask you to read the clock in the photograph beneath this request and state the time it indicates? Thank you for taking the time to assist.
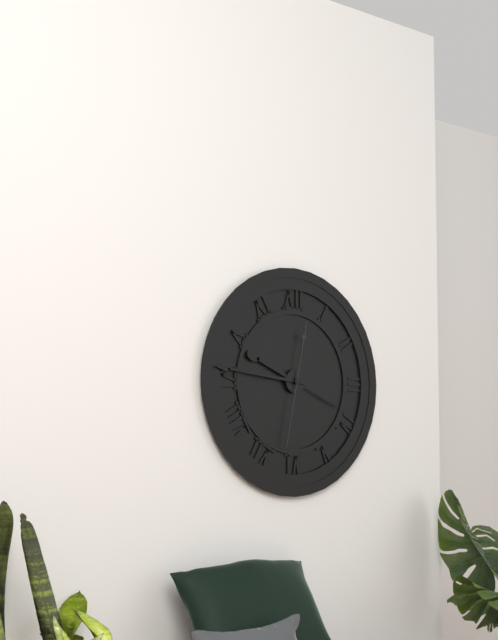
9:46:32
